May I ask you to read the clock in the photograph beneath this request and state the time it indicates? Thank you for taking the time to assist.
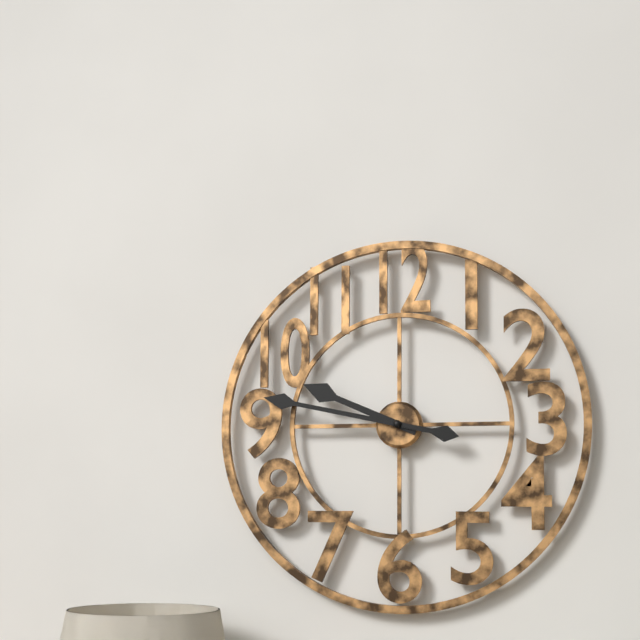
9:47
